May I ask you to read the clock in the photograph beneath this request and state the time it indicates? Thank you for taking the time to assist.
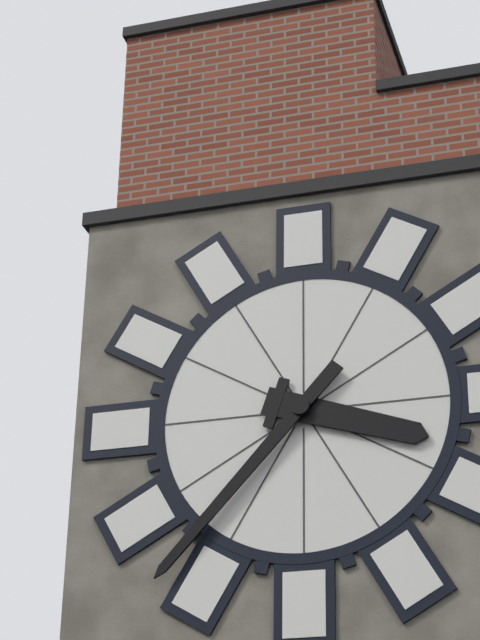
3:37
